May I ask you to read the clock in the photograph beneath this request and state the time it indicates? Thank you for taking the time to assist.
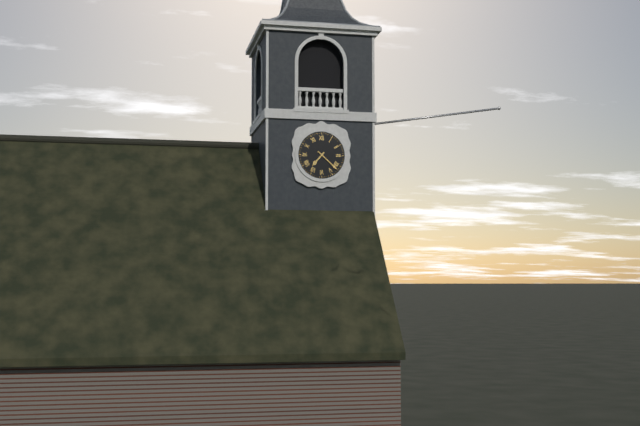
7:22
